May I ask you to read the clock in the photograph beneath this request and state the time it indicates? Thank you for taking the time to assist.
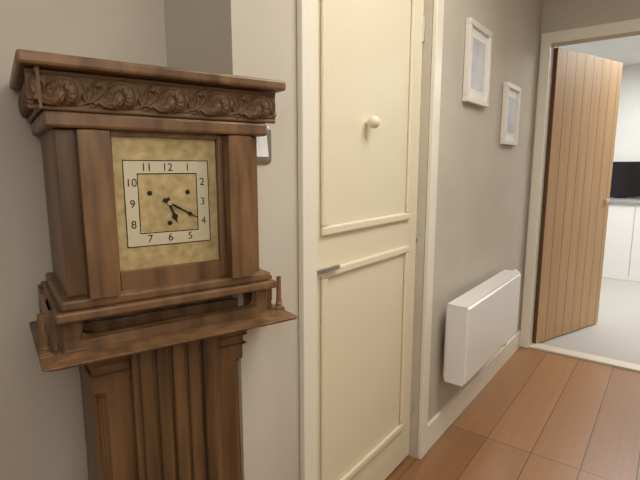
5:20
